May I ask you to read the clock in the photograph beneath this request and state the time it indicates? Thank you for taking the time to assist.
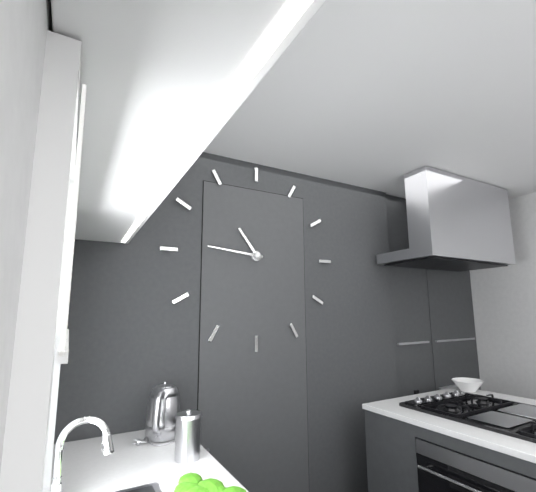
10:46
